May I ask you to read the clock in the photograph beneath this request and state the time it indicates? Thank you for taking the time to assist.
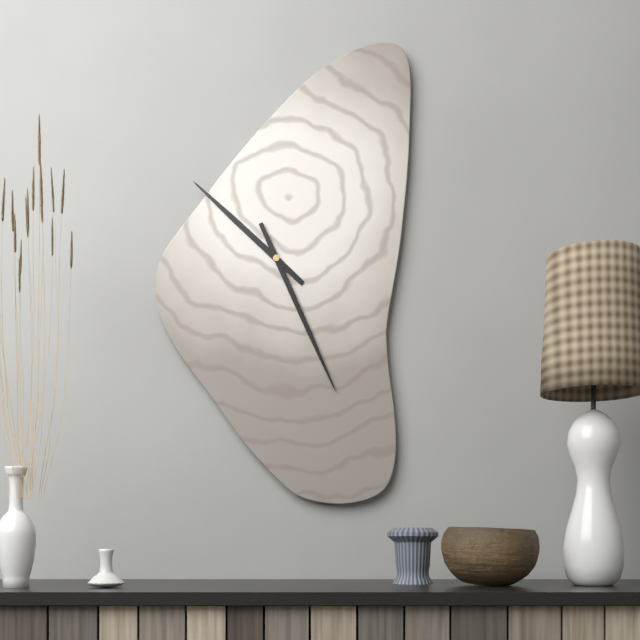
10:26
